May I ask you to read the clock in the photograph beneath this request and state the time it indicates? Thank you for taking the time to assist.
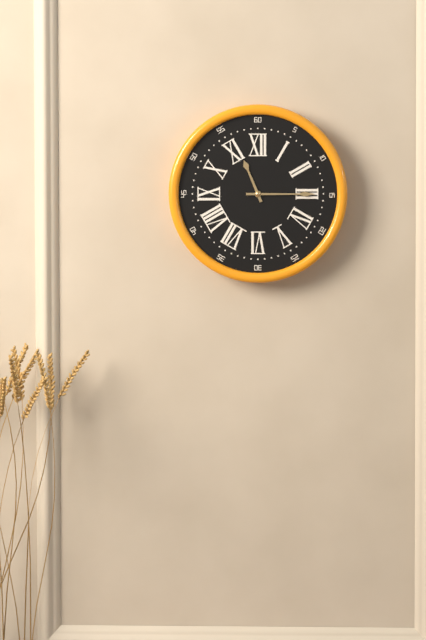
11:15
